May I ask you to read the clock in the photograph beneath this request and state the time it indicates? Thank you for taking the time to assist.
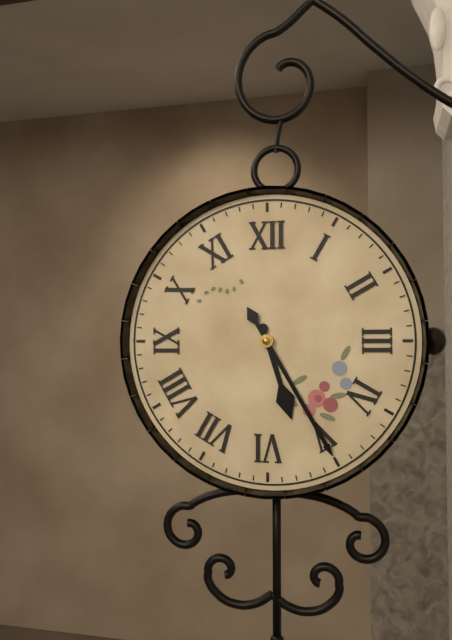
5:25
